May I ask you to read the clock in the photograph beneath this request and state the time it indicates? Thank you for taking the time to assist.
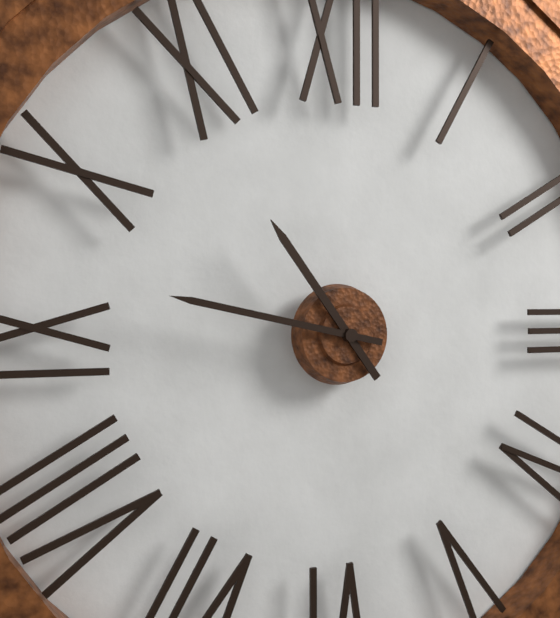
10:47
